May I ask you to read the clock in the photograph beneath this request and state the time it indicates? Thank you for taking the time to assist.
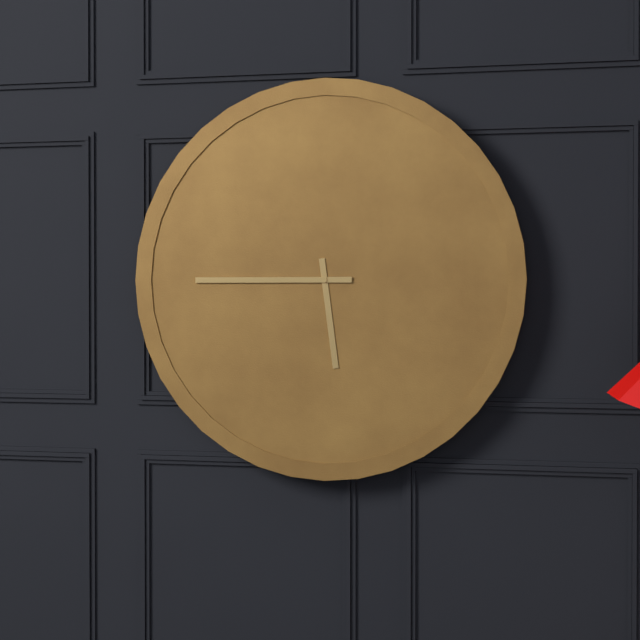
5:45
